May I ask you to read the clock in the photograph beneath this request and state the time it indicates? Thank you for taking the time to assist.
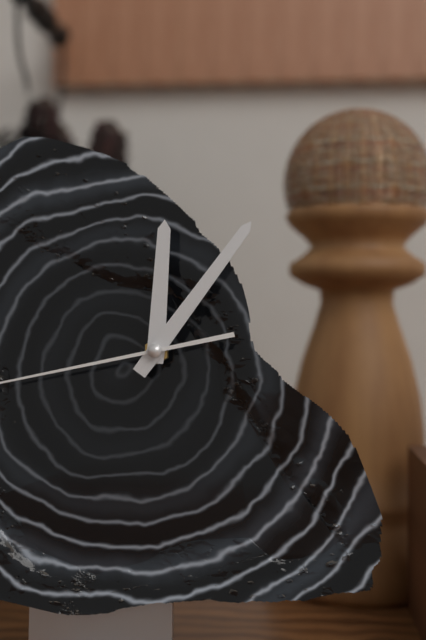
12:06
